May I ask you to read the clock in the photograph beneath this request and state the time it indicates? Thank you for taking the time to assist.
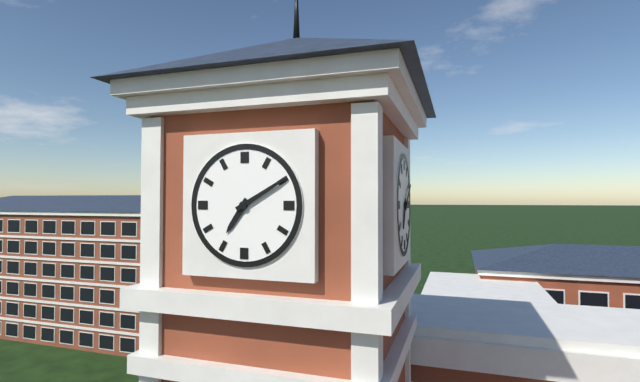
7:10
